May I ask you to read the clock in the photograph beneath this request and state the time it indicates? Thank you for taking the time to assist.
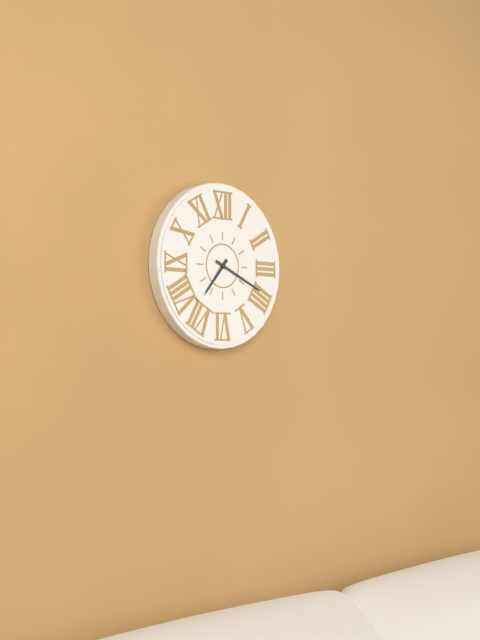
7:19
